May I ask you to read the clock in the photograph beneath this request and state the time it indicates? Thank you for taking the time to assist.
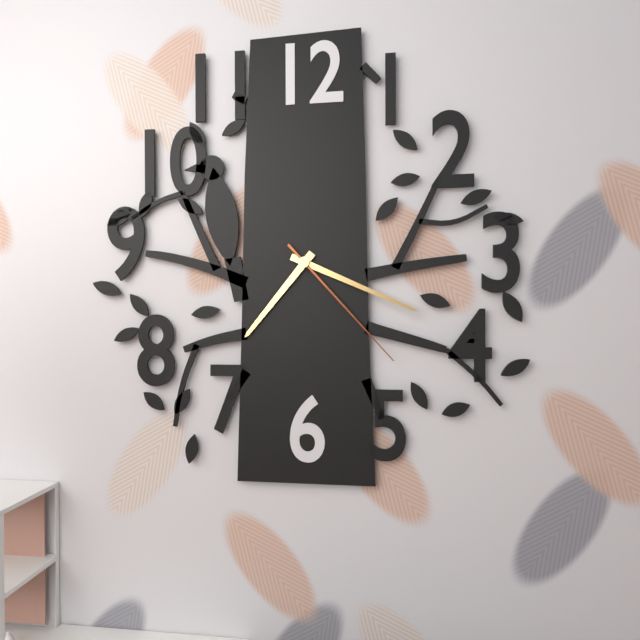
7:19:23
